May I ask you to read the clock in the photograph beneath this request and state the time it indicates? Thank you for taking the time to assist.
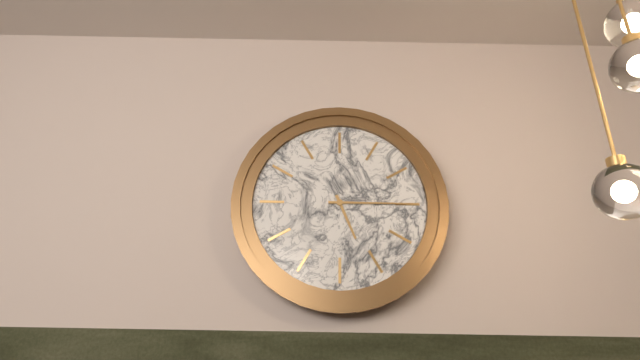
5:15
